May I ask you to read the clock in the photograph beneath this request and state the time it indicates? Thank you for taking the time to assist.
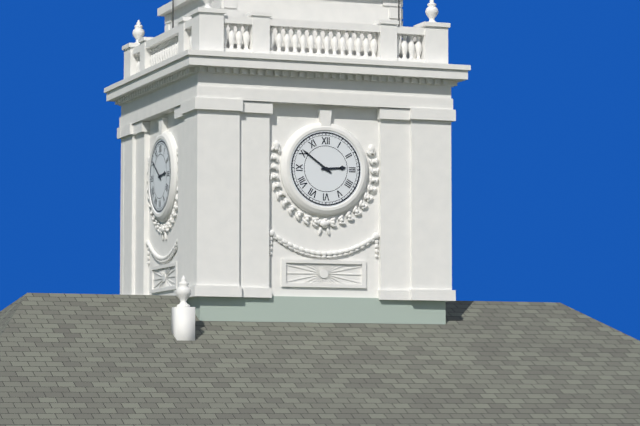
2:51
